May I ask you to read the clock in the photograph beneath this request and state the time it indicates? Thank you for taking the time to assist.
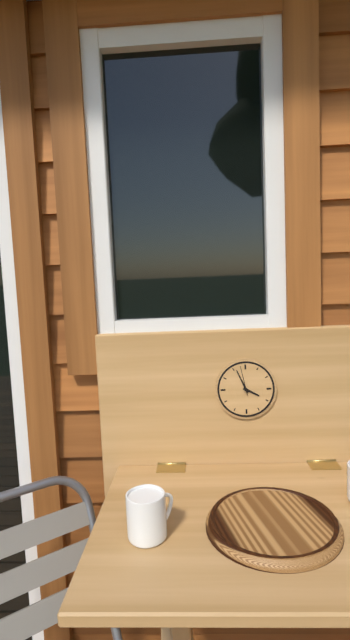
3:56
